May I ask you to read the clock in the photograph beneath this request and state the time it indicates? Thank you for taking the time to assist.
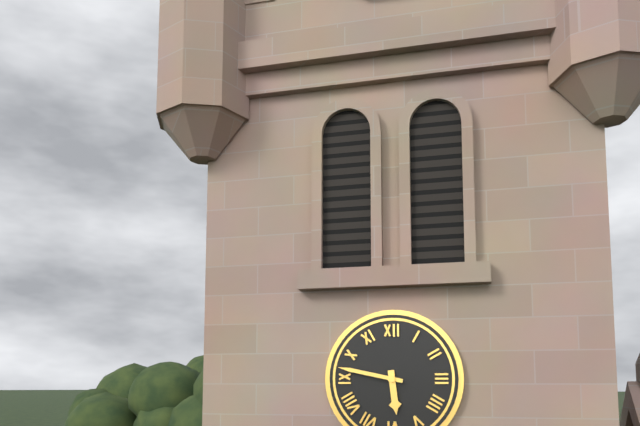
5:47
